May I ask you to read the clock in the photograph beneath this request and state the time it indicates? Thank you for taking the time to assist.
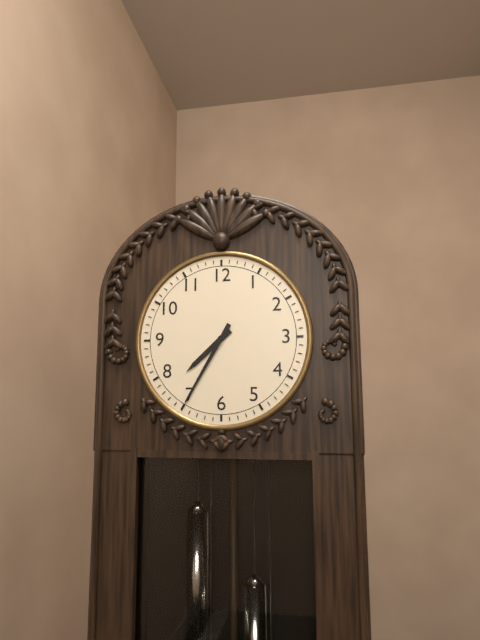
7:35
